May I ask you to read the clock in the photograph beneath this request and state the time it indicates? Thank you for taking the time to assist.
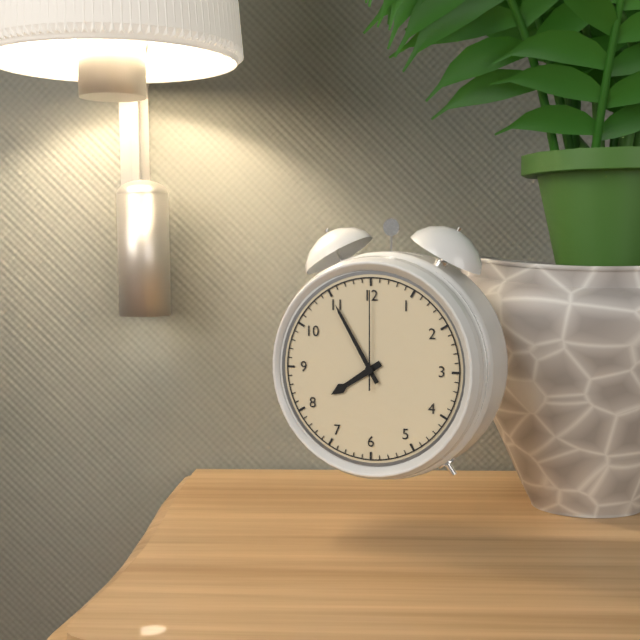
7:55:00
